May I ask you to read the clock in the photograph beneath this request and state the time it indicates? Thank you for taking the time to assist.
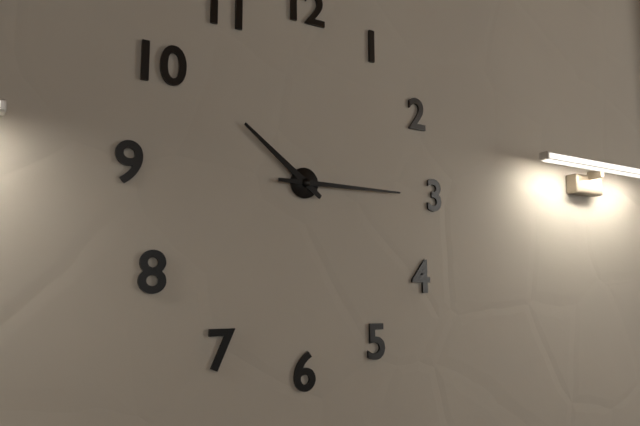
10:15
